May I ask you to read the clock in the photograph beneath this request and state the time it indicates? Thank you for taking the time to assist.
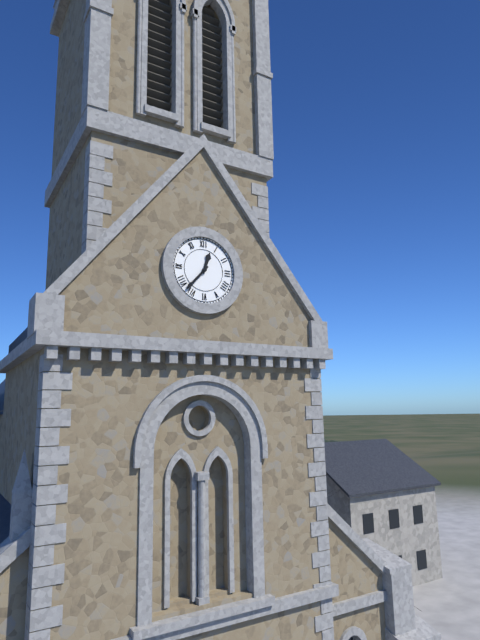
12:37
